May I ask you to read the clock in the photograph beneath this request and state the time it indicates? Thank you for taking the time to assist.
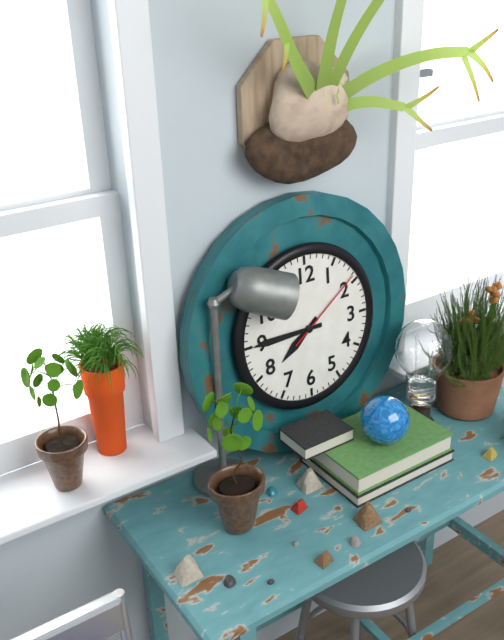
7:45:09
